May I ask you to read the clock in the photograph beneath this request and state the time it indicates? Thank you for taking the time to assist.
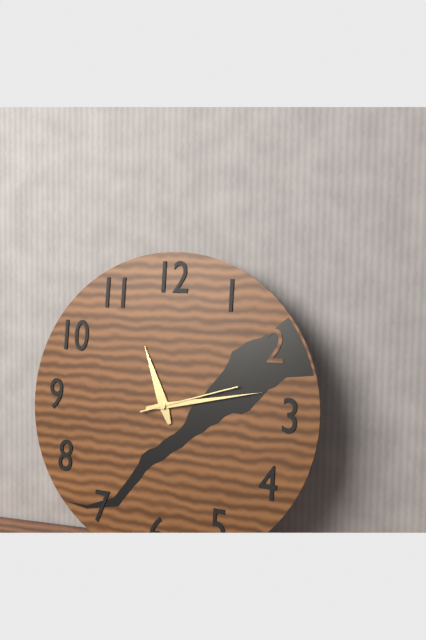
11:13:12
